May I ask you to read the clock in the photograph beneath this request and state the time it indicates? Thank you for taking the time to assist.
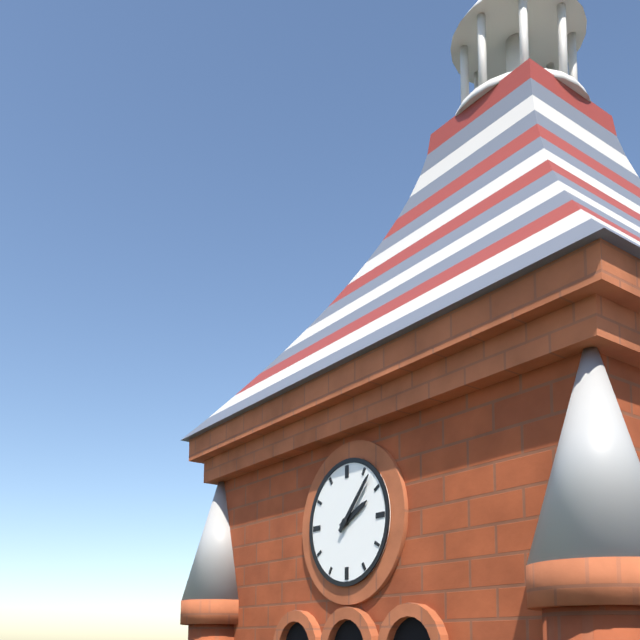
2:07
